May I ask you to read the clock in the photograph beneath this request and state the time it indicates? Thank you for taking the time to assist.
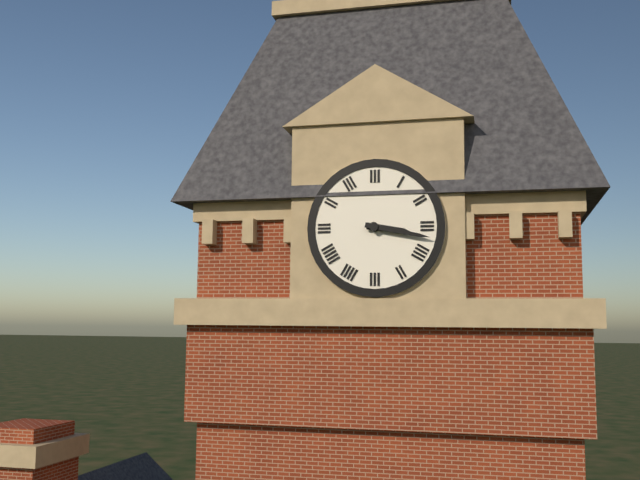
3:17
